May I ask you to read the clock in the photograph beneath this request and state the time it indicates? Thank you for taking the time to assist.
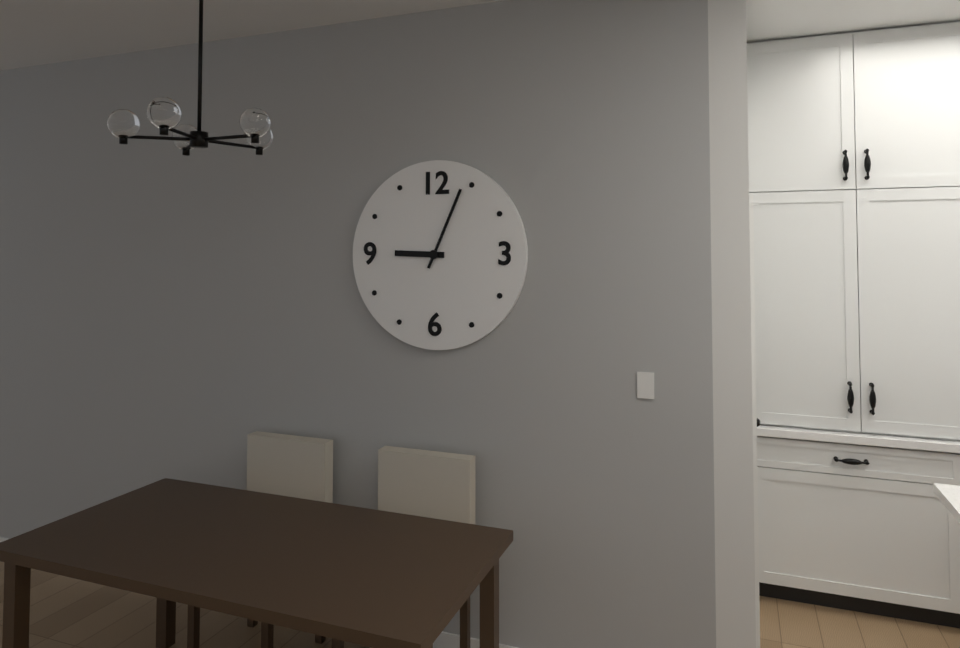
9:04
